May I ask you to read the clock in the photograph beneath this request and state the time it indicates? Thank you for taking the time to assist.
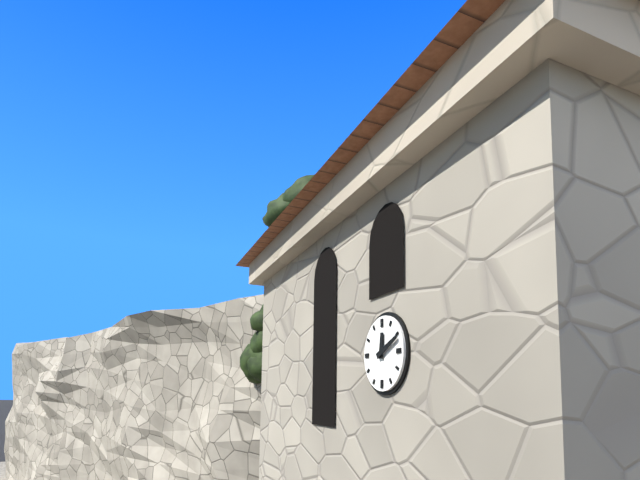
12:11
